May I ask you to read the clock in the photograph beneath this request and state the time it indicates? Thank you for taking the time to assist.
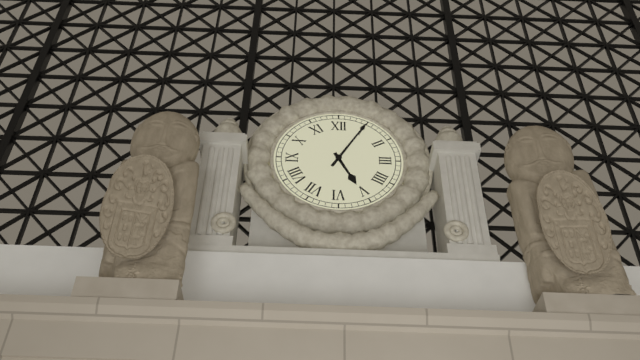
5:05
